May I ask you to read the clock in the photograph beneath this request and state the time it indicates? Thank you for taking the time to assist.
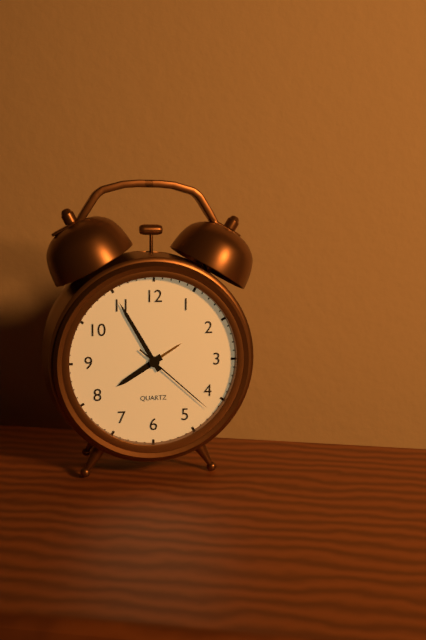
7:55:22
